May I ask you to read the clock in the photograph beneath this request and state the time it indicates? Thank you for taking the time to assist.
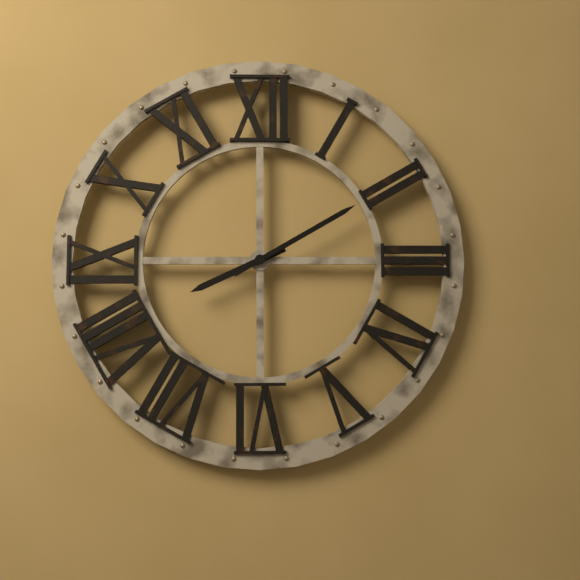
8:10
